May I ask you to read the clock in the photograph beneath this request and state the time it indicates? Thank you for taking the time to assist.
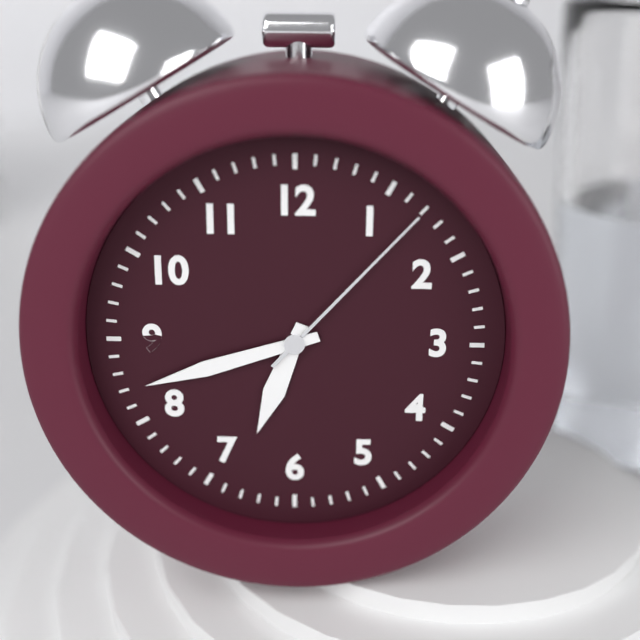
6:42:07
